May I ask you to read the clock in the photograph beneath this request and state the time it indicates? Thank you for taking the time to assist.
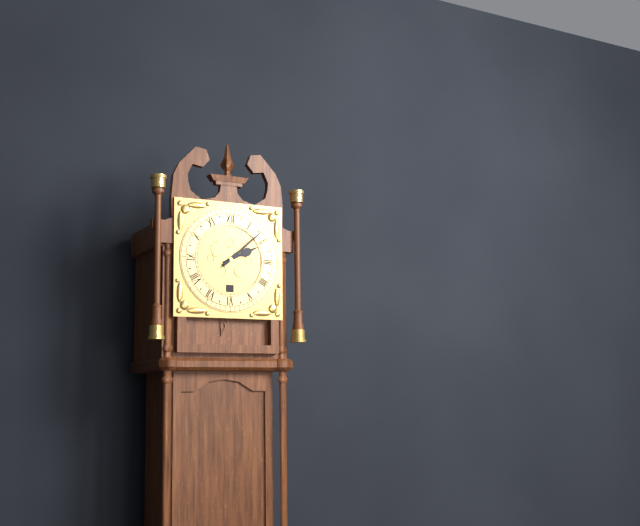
2:08
